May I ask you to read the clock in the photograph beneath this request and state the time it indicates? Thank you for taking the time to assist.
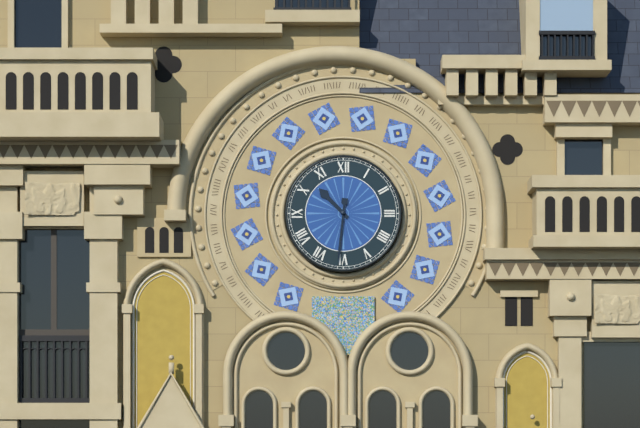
10:31
